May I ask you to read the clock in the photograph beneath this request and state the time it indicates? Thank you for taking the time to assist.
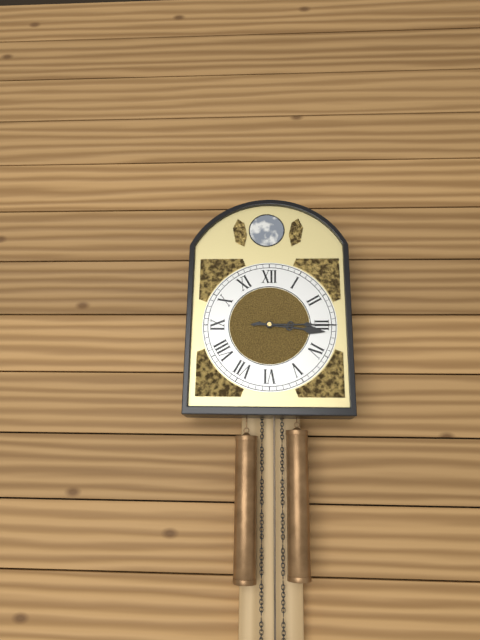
3:15
